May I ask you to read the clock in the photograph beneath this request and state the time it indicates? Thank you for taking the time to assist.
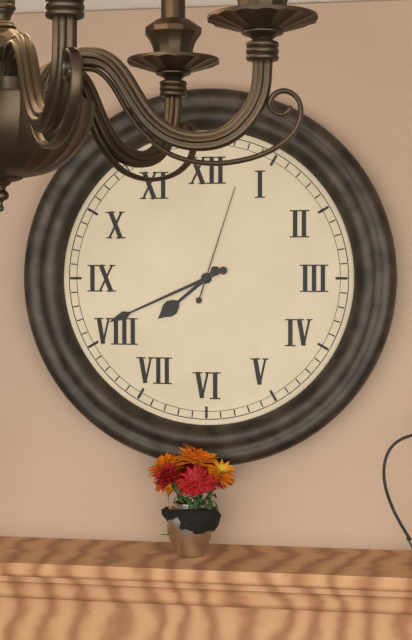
7:41:03
